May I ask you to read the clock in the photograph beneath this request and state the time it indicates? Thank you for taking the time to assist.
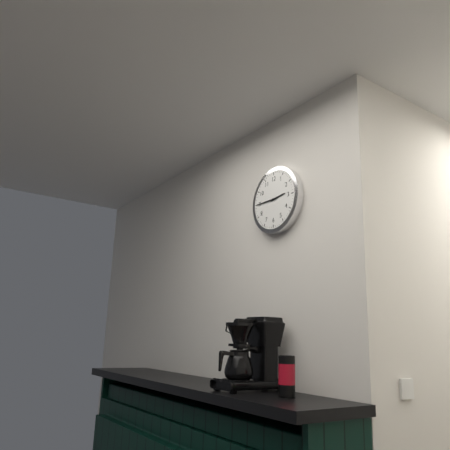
2:45
